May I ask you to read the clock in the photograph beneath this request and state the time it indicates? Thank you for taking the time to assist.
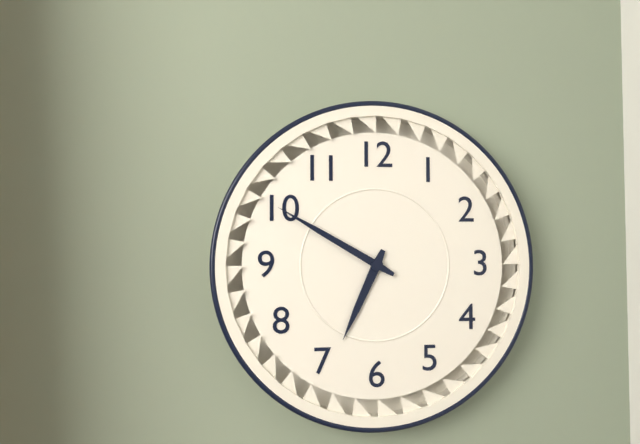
6:50
